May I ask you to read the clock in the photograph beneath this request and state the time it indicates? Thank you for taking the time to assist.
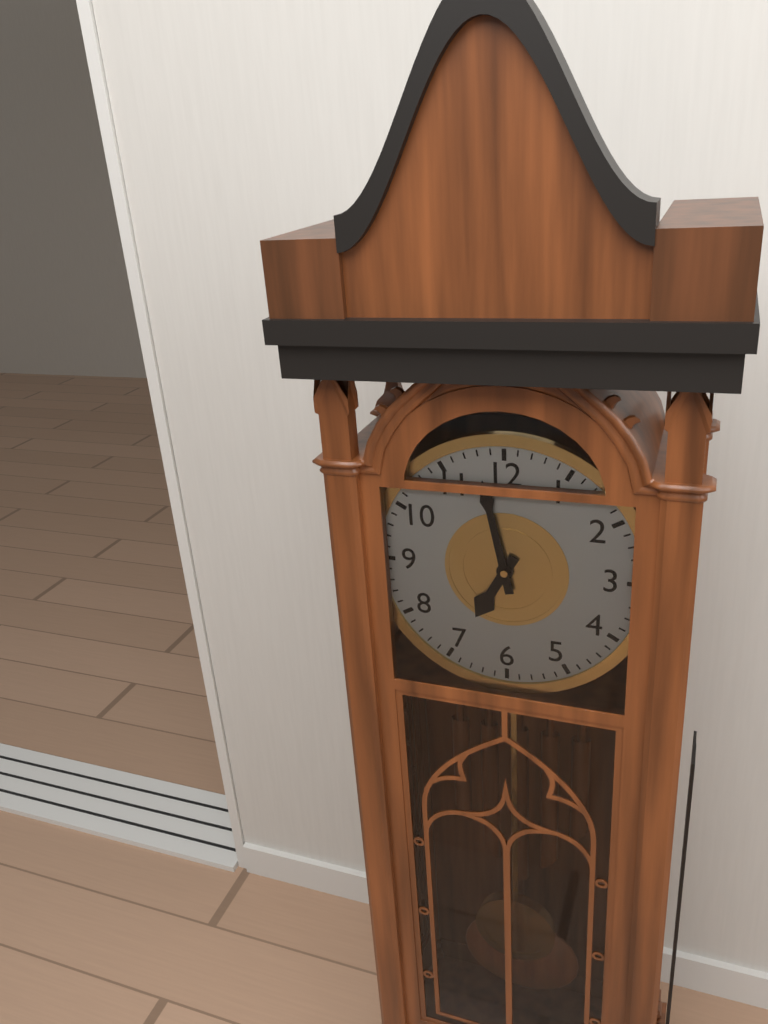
6:58
